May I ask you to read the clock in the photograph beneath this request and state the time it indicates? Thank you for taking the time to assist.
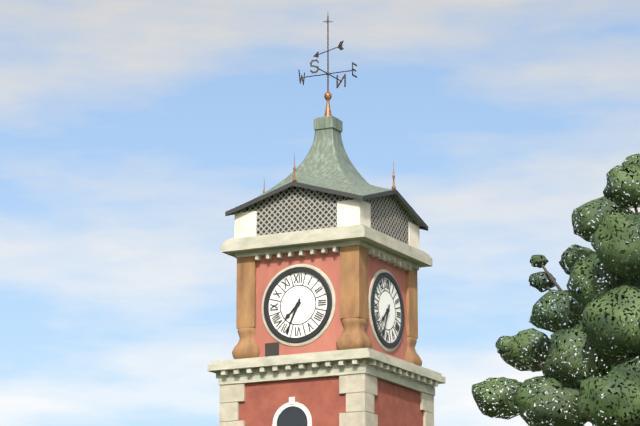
7:34
